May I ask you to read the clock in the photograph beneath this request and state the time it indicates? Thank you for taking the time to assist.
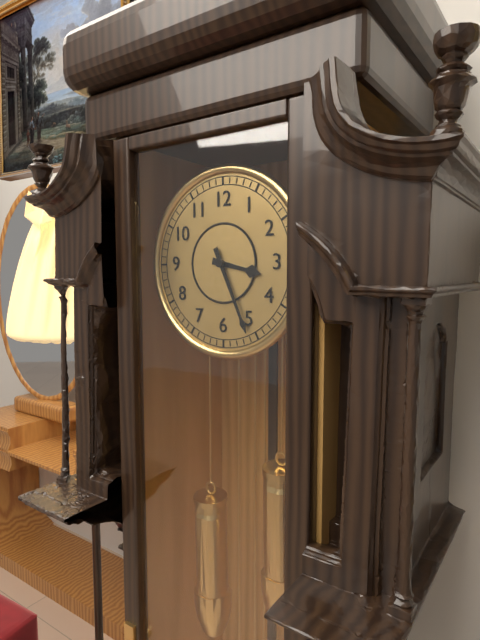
3:26
